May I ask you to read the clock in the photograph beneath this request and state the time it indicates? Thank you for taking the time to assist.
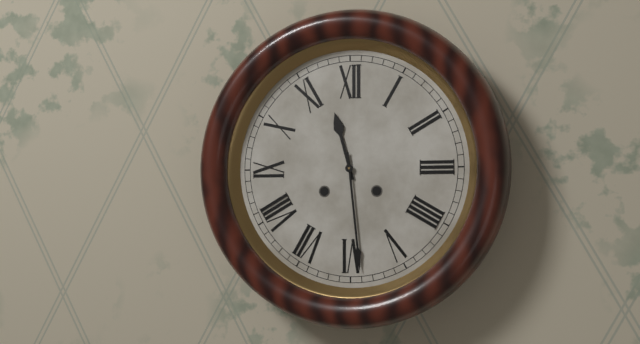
11:29
